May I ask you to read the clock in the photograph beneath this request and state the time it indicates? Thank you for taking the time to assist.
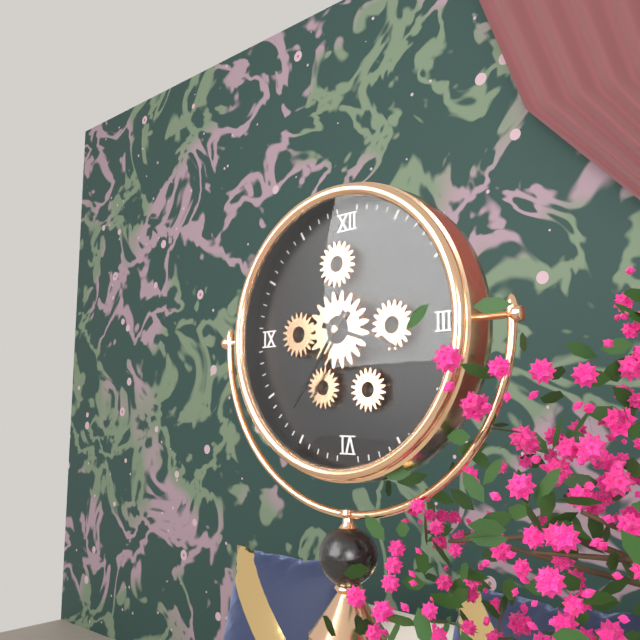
3:36
